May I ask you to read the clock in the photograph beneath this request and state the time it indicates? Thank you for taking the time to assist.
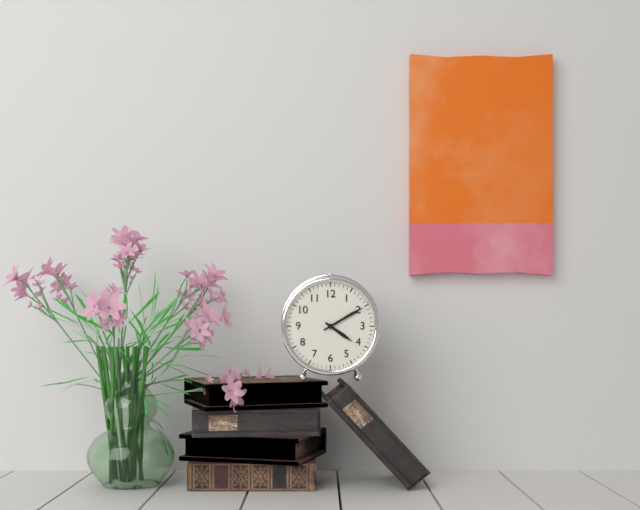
4:10
